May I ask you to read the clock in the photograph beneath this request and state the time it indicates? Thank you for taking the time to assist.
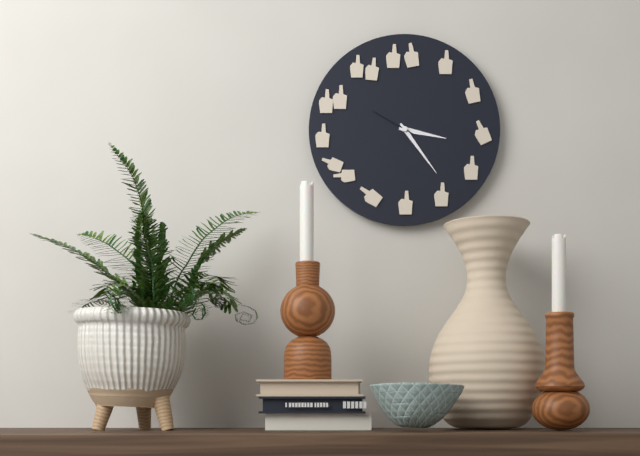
3:24
